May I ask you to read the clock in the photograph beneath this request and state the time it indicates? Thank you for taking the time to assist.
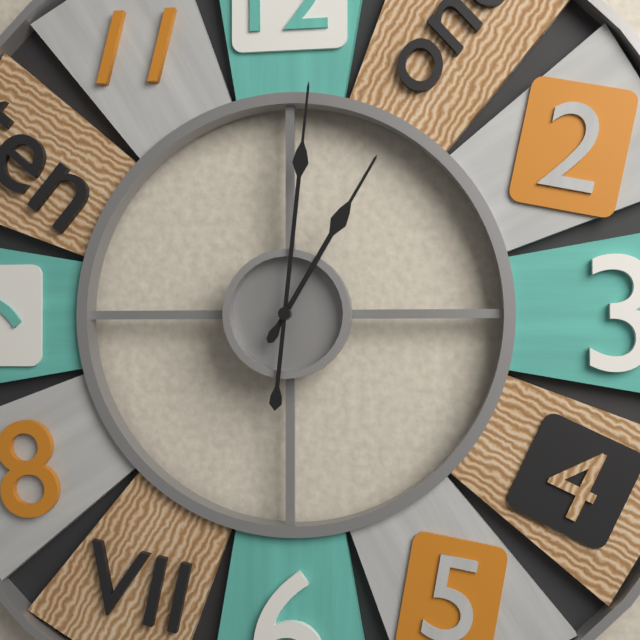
1:01
